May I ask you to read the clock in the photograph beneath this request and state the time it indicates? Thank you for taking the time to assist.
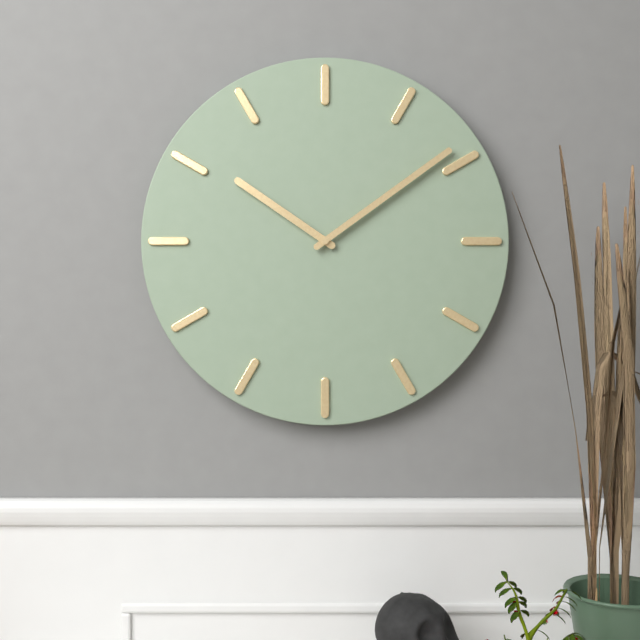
10:09
